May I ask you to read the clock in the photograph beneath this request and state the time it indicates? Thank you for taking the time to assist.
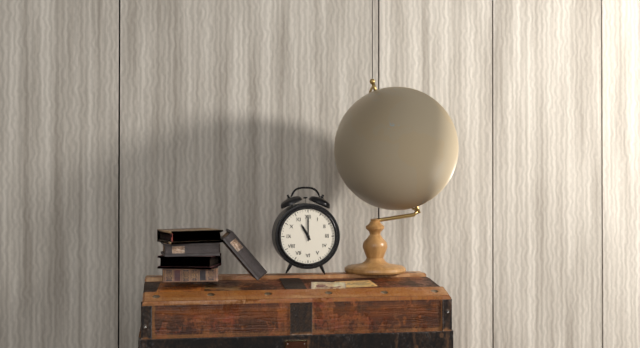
11:00
